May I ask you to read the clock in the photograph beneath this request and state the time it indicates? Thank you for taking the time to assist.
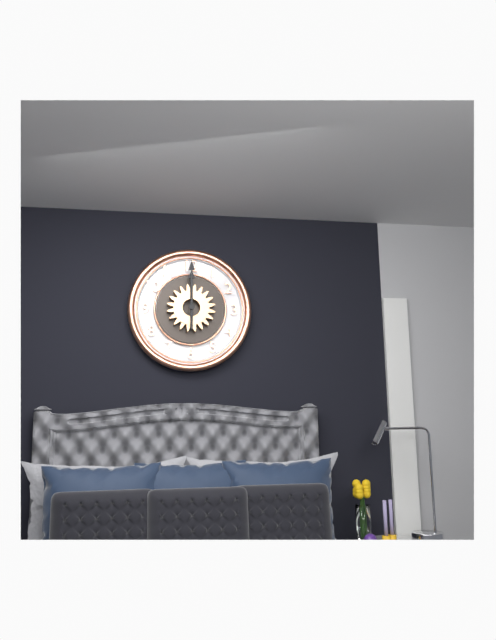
12:00
